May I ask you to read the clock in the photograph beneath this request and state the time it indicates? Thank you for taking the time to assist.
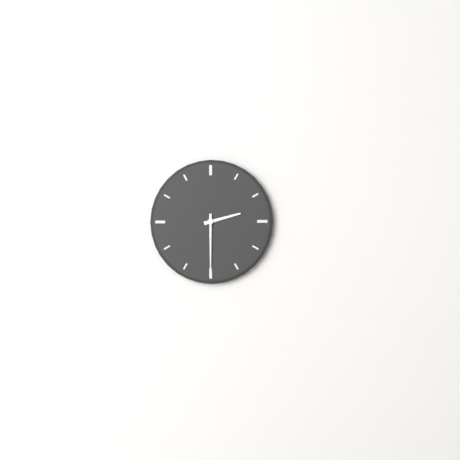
2:30
